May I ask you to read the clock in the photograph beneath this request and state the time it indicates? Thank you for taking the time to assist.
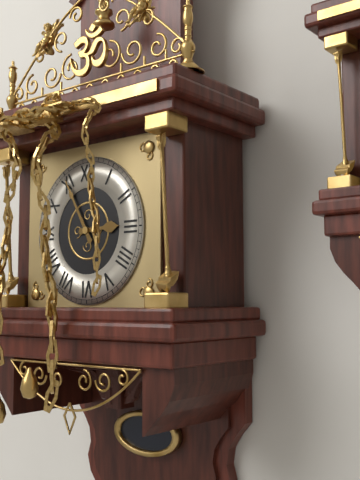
2:55
